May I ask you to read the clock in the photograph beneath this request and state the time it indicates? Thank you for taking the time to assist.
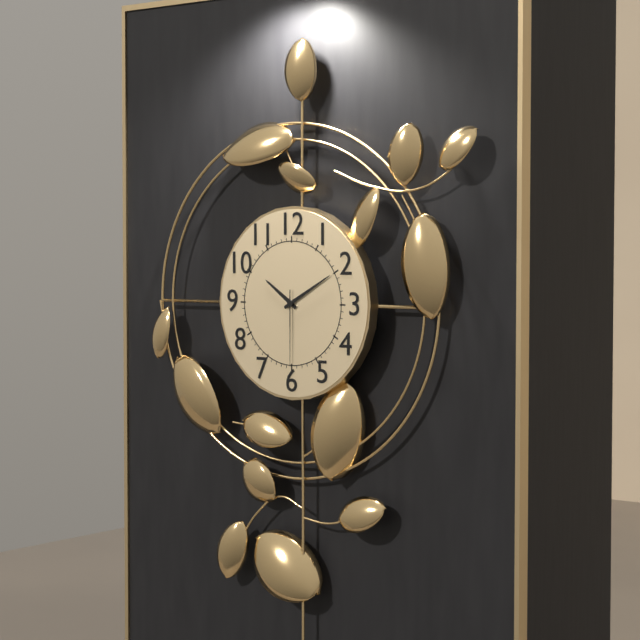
10:10:30
